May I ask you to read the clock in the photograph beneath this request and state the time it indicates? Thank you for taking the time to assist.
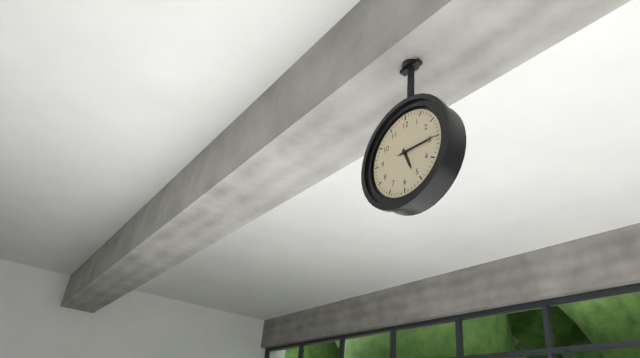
5:15
